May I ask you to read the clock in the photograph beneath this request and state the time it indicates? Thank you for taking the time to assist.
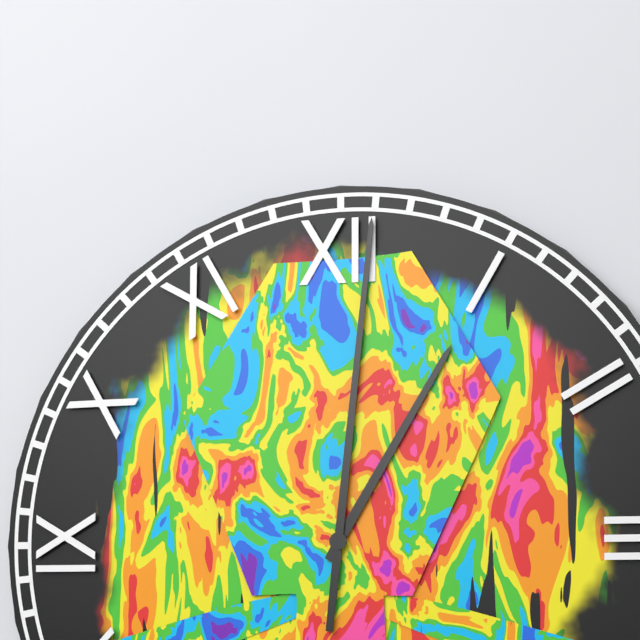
1:01
